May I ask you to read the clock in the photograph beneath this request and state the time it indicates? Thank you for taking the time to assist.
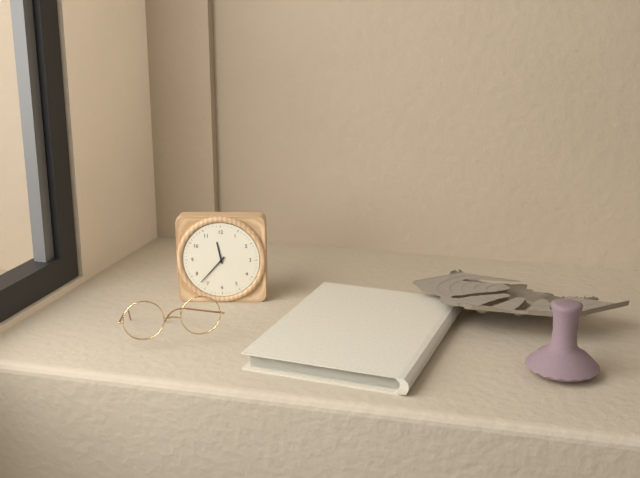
11:37
